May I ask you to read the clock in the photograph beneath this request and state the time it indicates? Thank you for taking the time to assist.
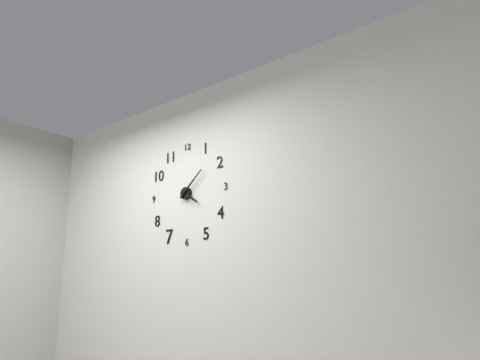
4:08
